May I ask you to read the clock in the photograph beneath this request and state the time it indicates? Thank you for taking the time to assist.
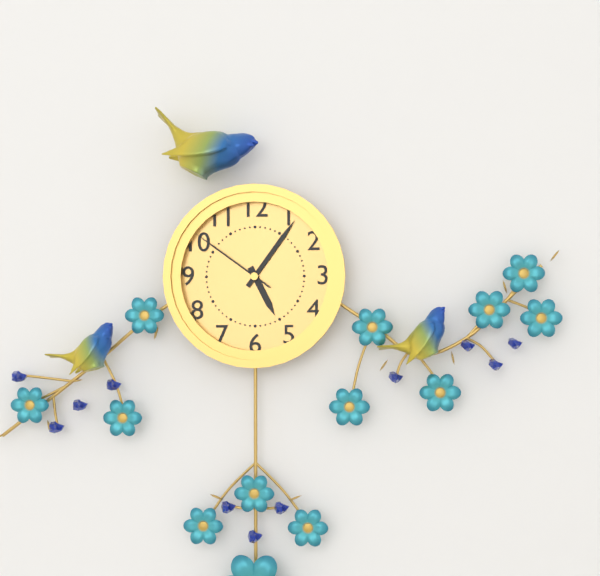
5:06:51
